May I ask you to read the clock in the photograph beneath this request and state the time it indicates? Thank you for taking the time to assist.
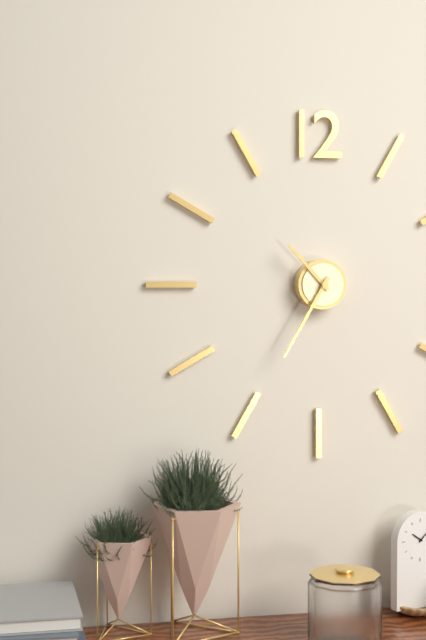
10:35
